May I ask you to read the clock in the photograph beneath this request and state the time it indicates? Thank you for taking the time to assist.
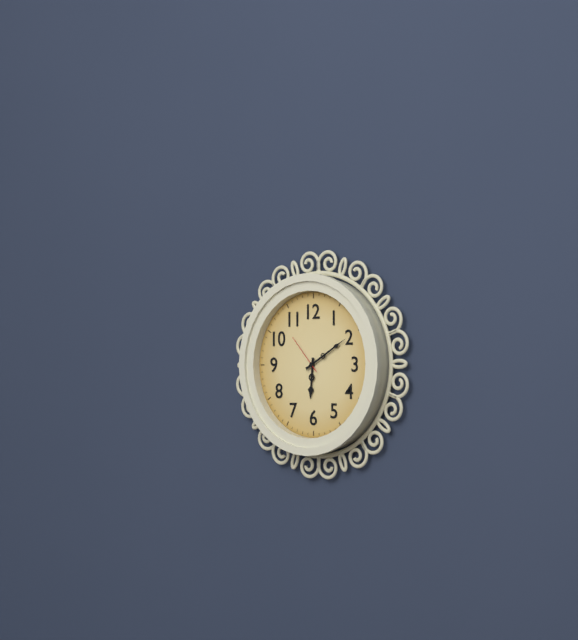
6:10
